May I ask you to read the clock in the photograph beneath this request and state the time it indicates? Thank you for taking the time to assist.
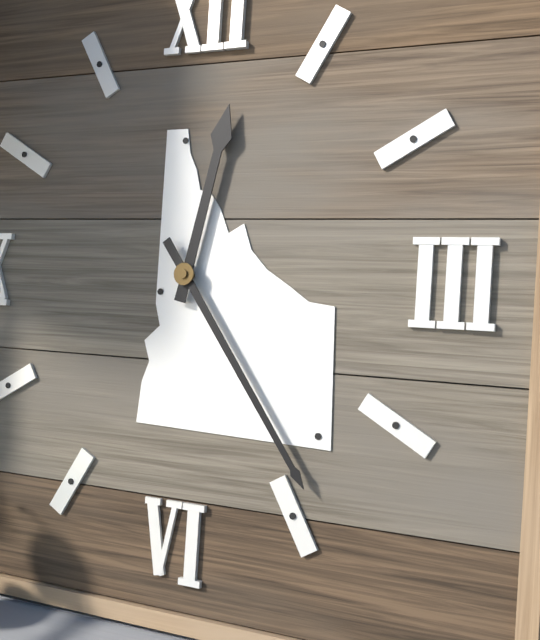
12:24
